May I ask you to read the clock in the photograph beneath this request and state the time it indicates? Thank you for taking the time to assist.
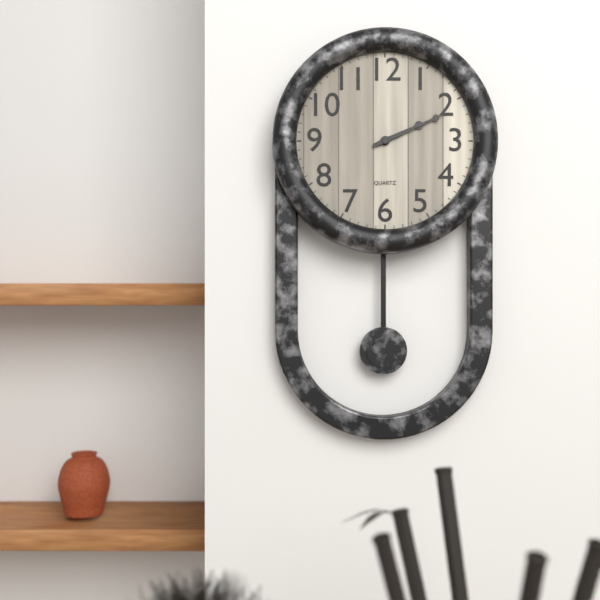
2:11
